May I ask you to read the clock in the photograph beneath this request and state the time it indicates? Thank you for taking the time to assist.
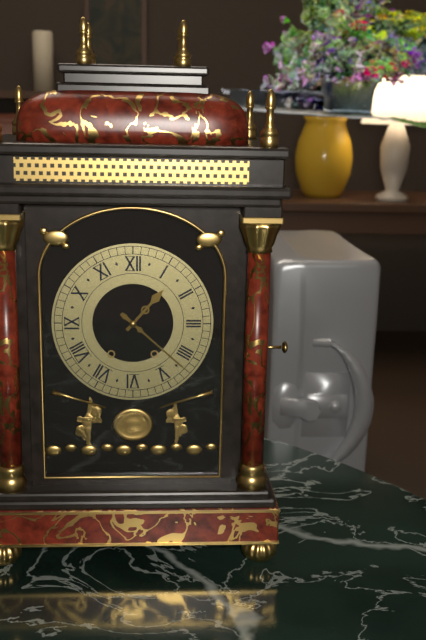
1:22
